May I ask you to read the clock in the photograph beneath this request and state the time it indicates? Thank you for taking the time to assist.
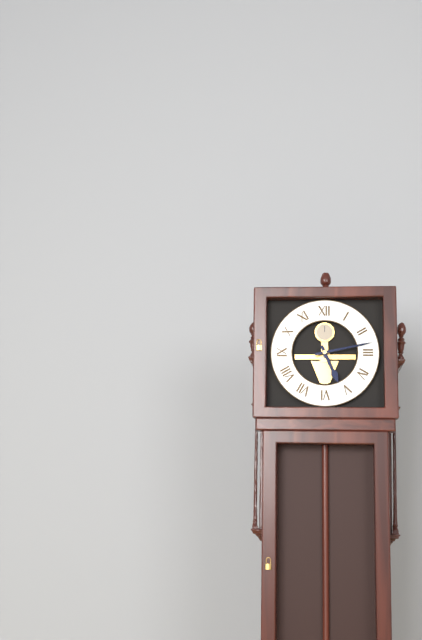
5:13
